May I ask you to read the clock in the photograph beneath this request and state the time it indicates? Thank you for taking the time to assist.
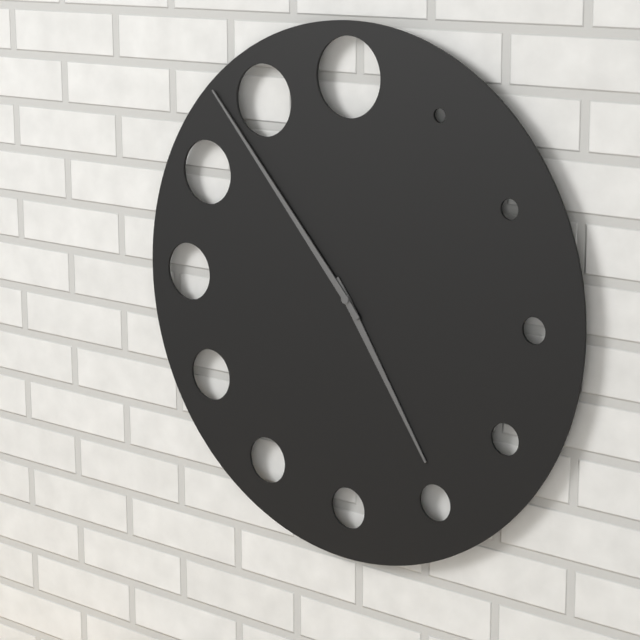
4:53
